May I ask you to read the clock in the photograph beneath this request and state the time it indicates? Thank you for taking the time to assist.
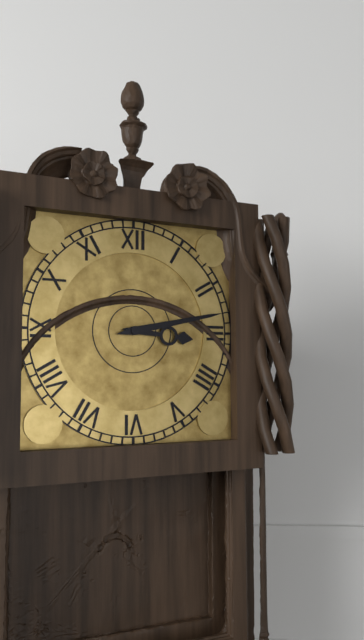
3:13
